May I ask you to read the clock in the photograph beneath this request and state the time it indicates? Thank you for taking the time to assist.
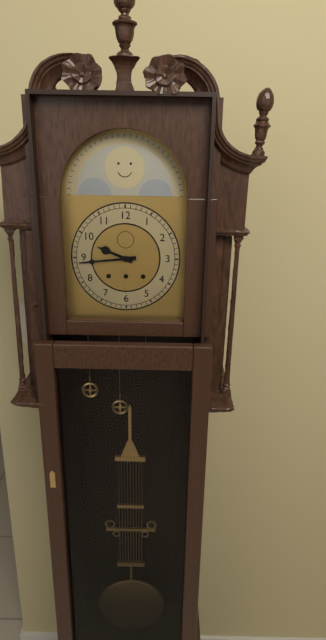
9:44
